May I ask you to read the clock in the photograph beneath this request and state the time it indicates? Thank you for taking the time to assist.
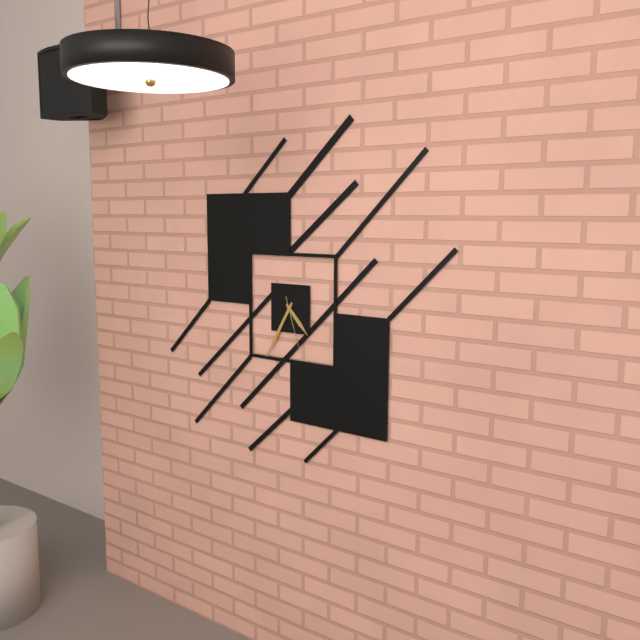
4:35:27
